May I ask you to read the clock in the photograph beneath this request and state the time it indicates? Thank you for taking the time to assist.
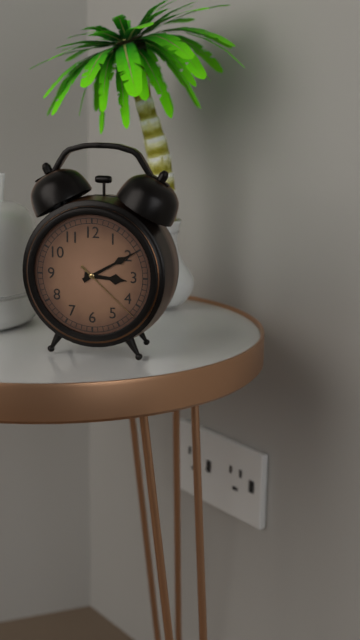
3:10:22
